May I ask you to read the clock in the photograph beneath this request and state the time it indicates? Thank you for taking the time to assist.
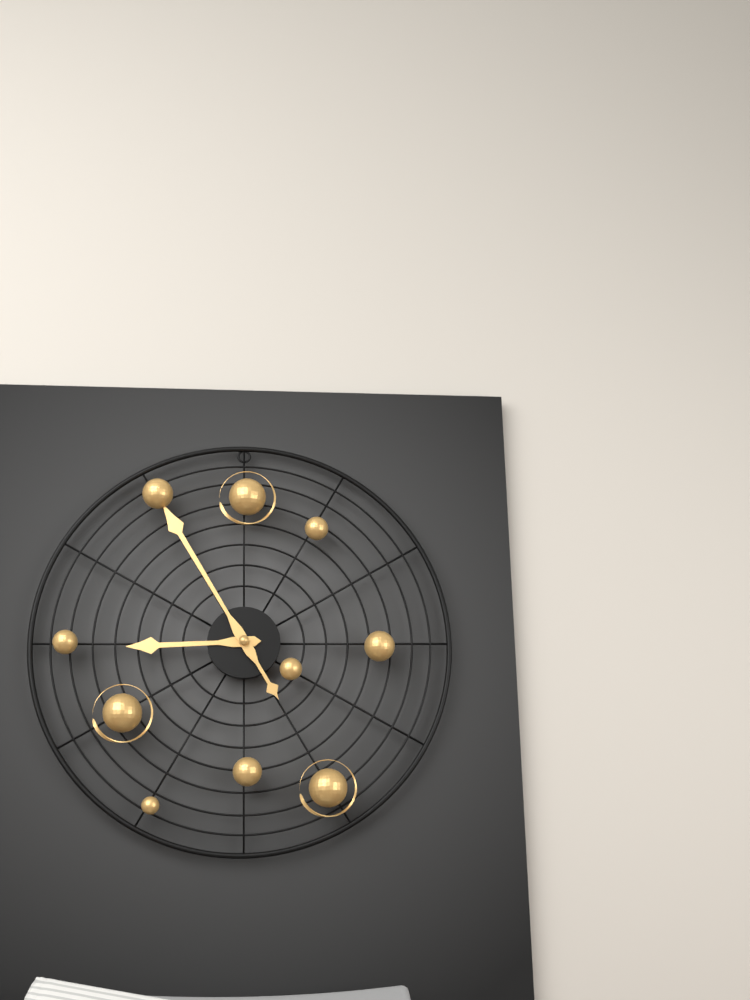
8:55
